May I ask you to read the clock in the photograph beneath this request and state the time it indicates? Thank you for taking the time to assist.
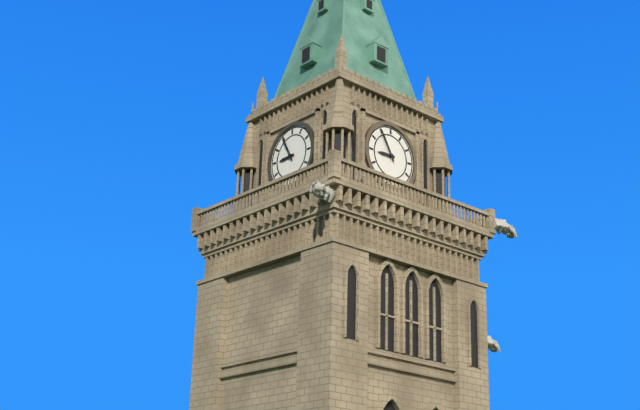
8:55
